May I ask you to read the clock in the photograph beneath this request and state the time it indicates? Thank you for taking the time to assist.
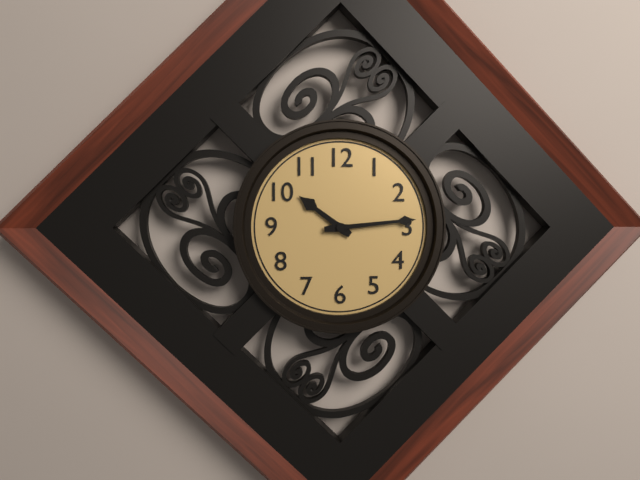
10:14
